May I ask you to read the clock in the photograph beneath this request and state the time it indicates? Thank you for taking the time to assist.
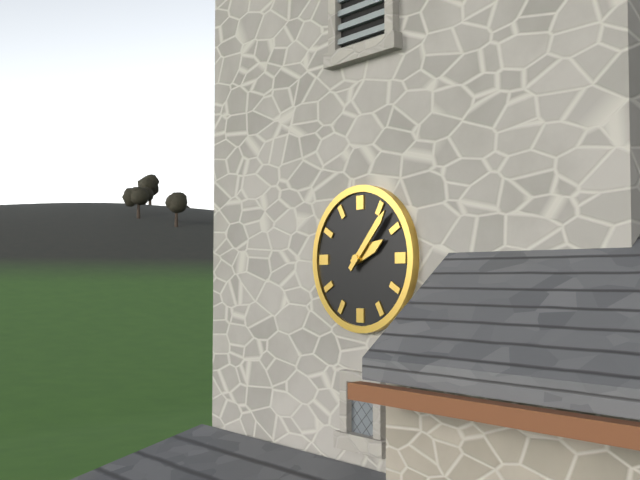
2:07
